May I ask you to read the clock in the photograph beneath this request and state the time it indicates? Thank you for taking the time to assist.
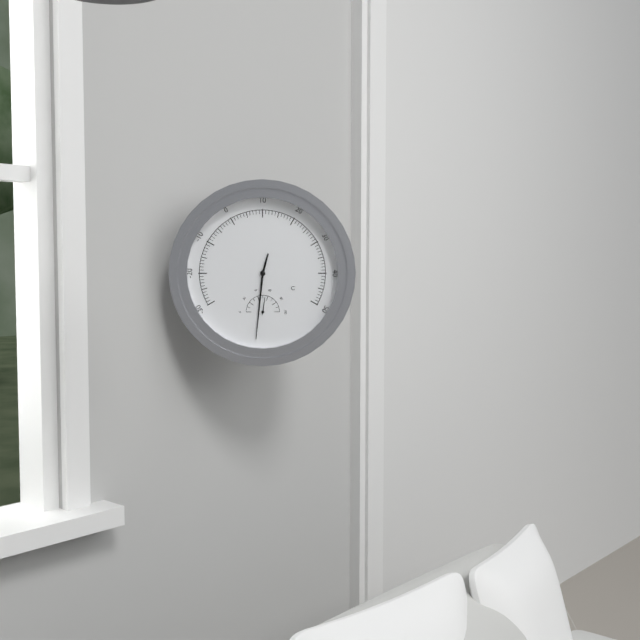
12:31
